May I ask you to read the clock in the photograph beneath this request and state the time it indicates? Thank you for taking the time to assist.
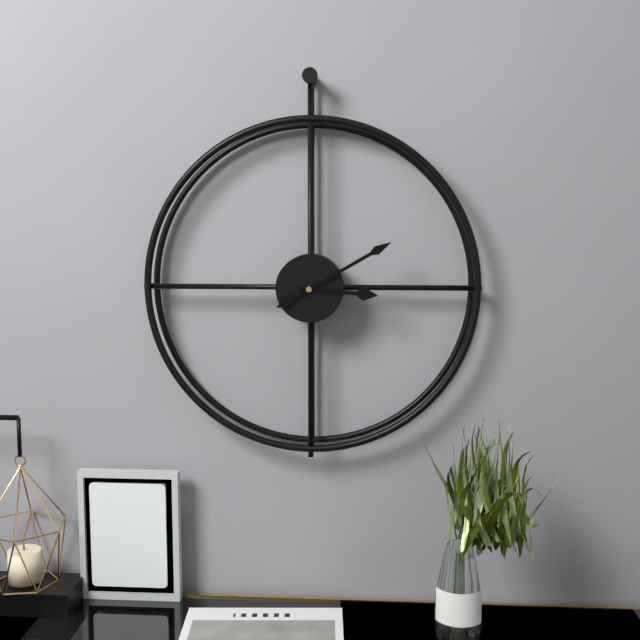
3:10
